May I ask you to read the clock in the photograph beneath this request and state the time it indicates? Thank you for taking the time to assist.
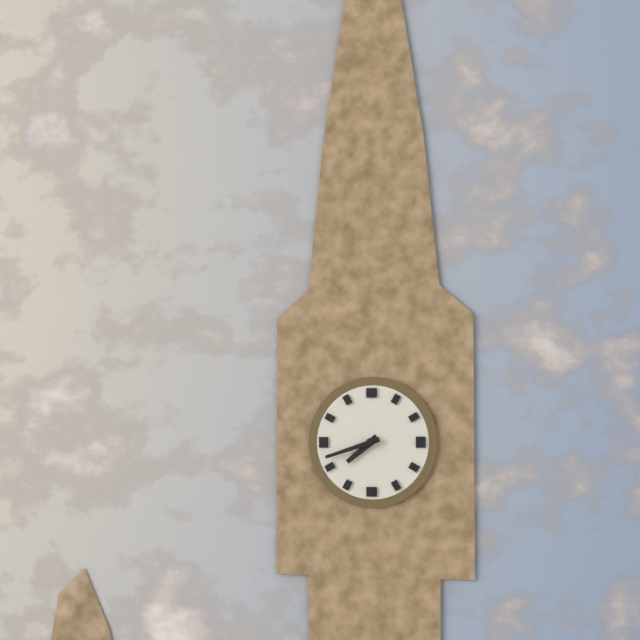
7:42
